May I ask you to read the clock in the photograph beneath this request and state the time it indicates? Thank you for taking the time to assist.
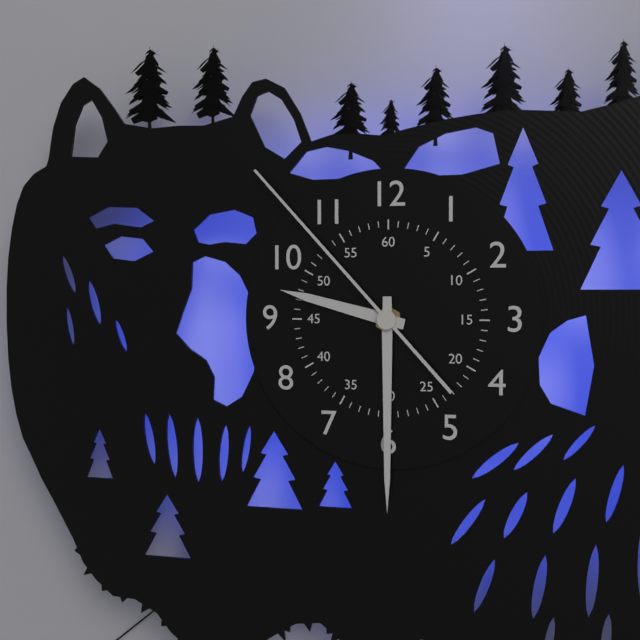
9:30:53
